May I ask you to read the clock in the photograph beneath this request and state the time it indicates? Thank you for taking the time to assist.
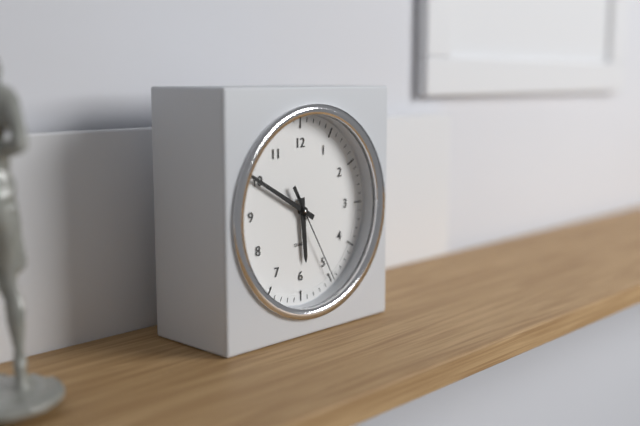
5:50:25
